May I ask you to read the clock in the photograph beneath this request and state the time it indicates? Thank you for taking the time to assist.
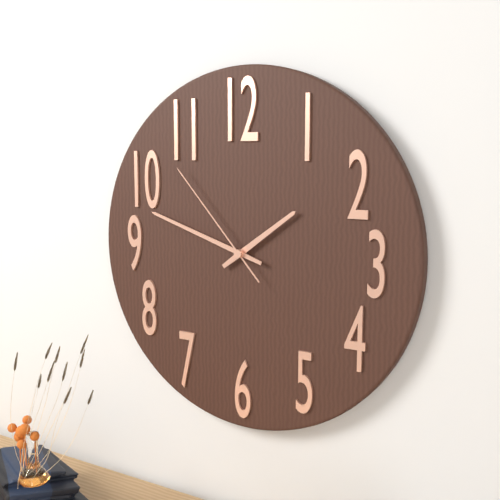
1:48:53
